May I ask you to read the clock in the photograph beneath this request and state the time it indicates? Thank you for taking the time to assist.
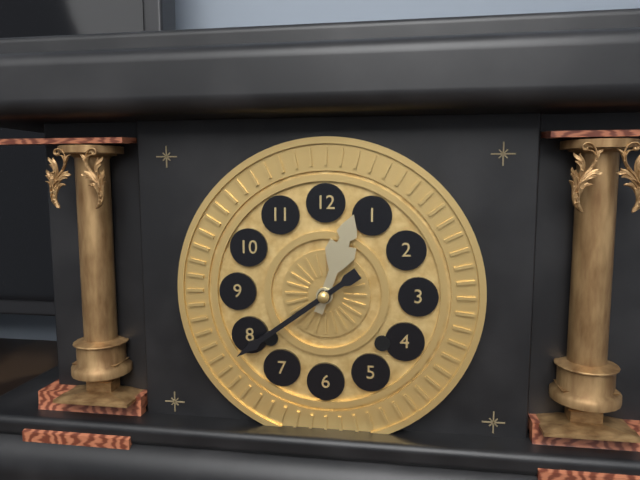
12:39
